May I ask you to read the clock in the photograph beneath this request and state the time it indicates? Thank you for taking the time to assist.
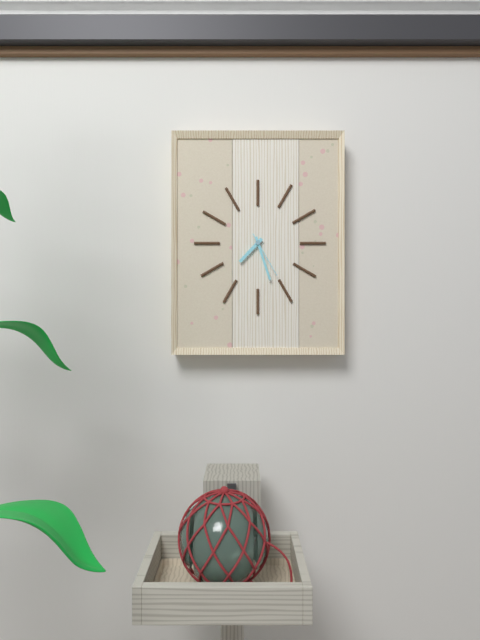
7:27
